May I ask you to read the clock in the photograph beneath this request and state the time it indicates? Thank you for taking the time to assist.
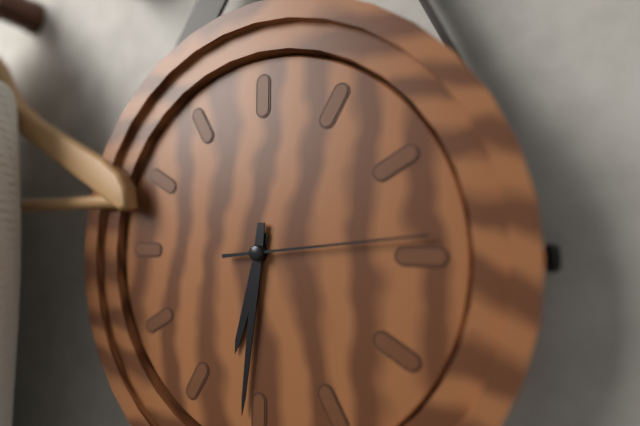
6:31:14
